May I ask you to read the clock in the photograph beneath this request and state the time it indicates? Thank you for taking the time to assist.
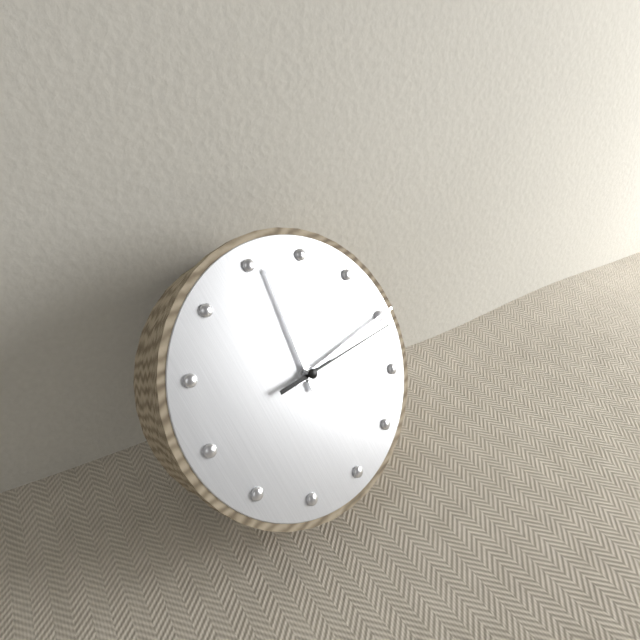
12:15:16
